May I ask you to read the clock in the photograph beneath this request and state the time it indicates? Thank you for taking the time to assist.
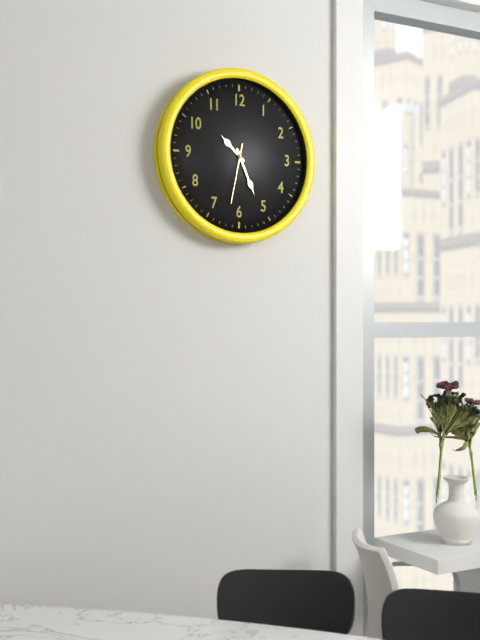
10:26:32
